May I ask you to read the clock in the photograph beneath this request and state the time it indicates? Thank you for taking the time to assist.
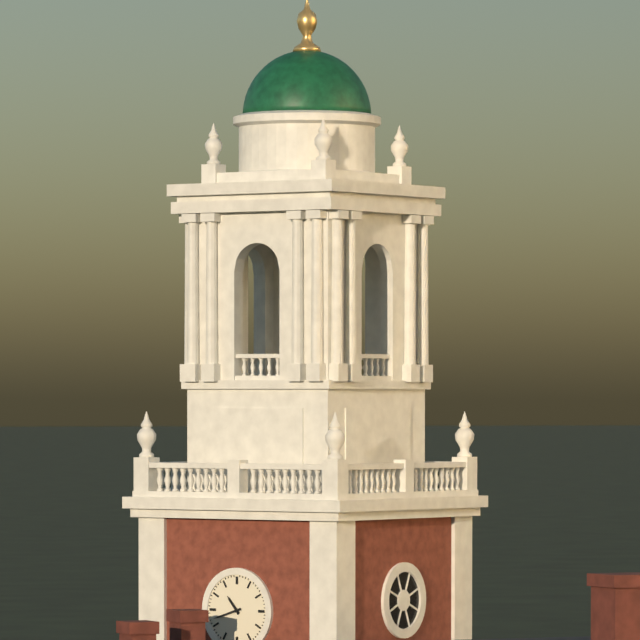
10:42
